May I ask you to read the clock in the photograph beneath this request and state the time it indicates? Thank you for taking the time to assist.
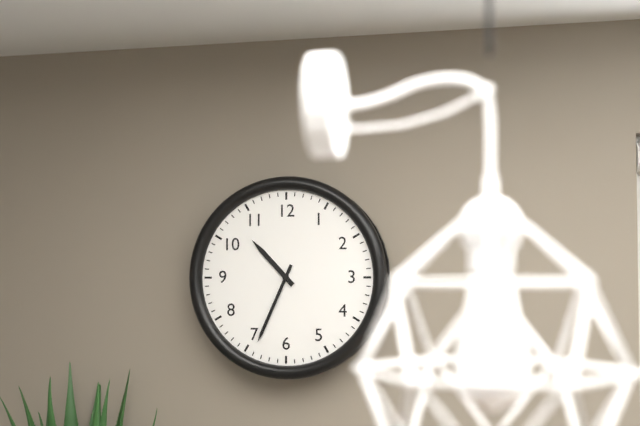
10:34
